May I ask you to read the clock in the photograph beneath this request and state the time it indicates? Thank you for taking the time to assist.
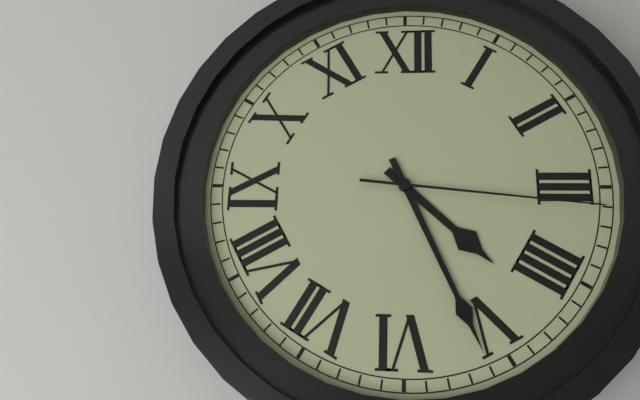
4:26:16
